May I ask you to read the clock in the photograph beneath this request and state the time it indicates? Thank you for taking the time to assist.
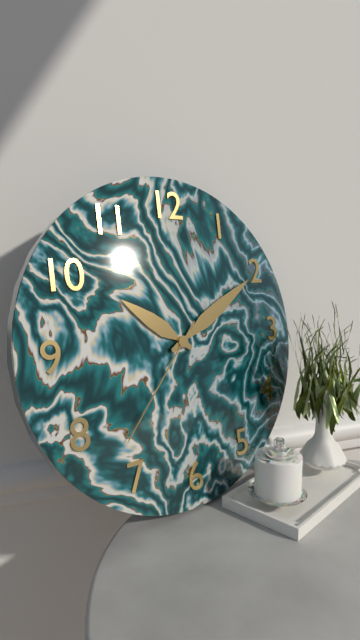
10:10:37
